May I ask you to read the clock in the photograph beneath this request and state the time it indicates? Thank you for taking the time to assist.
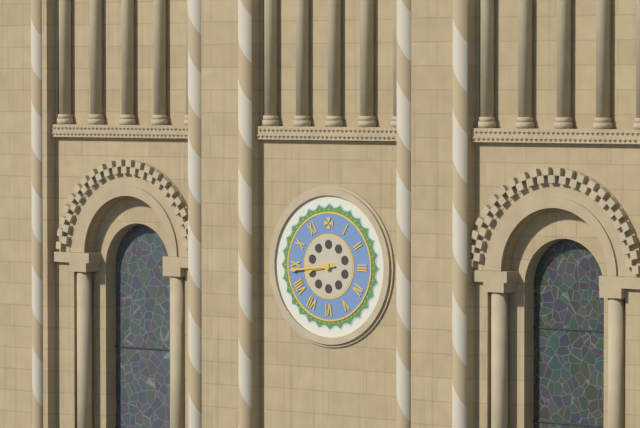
8:44
